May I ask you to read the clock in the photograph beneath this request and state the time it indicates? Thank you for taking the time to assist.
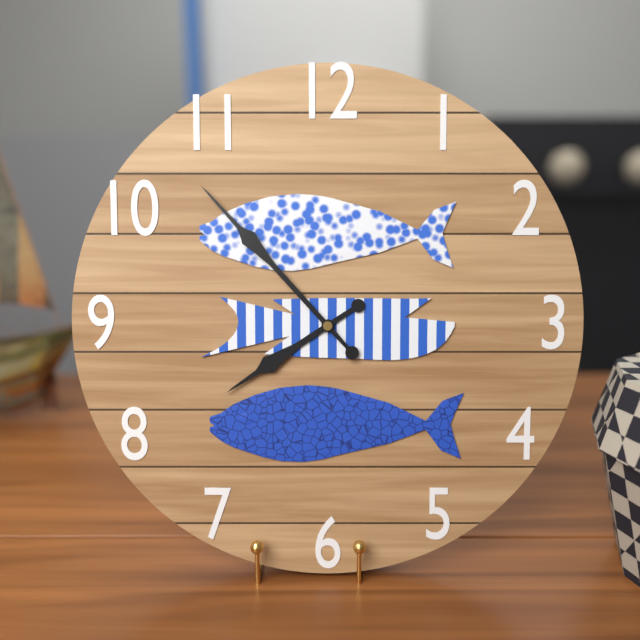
7:53
